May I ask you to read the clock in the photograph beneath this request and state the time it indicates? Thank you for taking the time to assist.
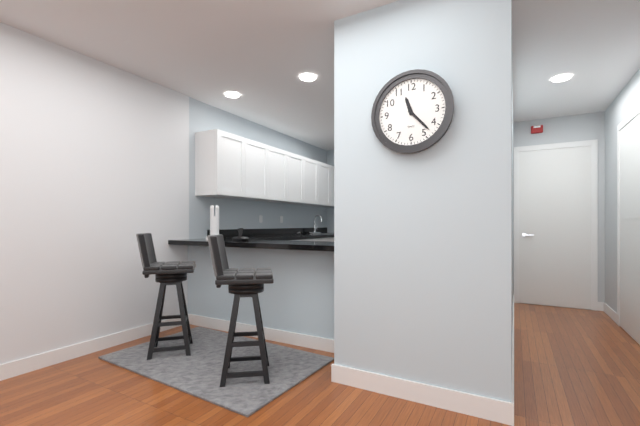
11:23
